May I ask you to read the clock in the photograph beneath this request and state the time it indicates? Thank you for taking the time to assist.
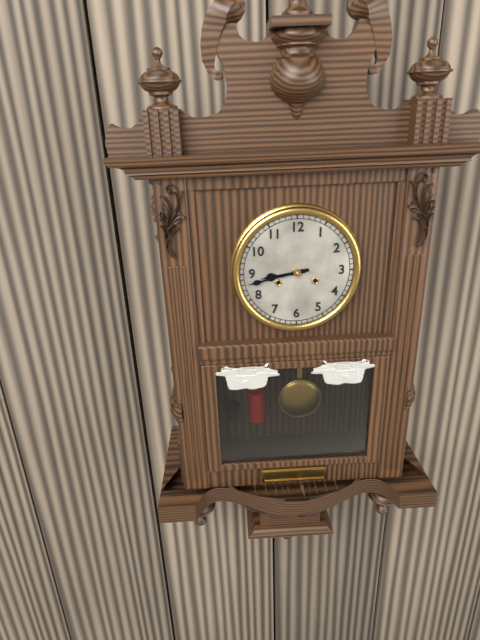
8:43
